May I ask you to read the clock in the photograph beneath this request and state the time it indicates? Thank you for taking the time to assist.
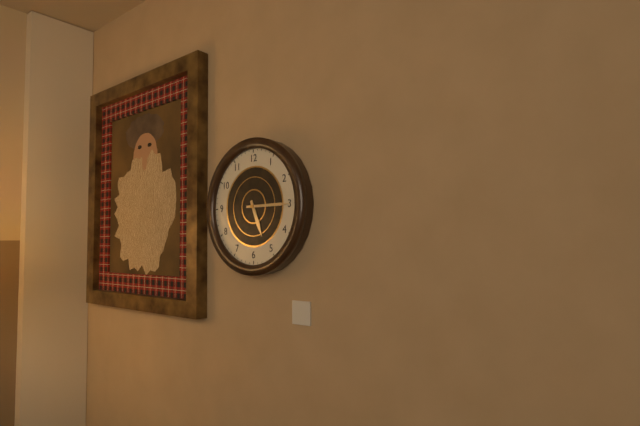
5:15
